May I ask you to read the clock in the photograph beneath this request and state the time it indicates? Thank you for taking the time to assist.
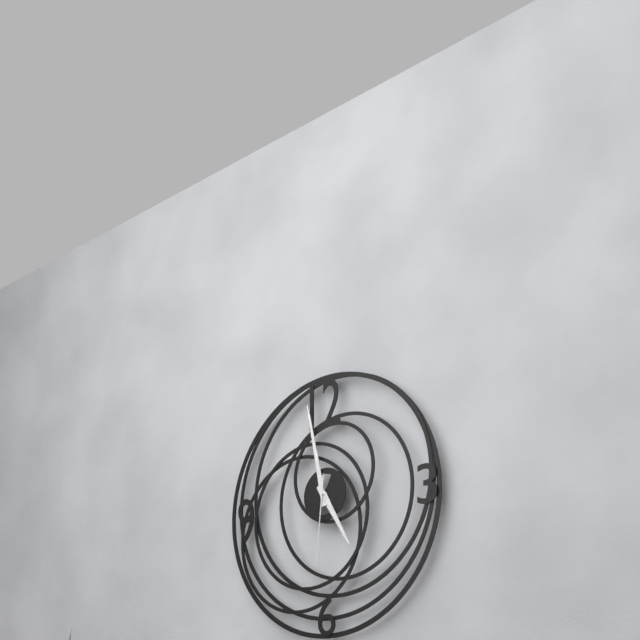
4:58:31
